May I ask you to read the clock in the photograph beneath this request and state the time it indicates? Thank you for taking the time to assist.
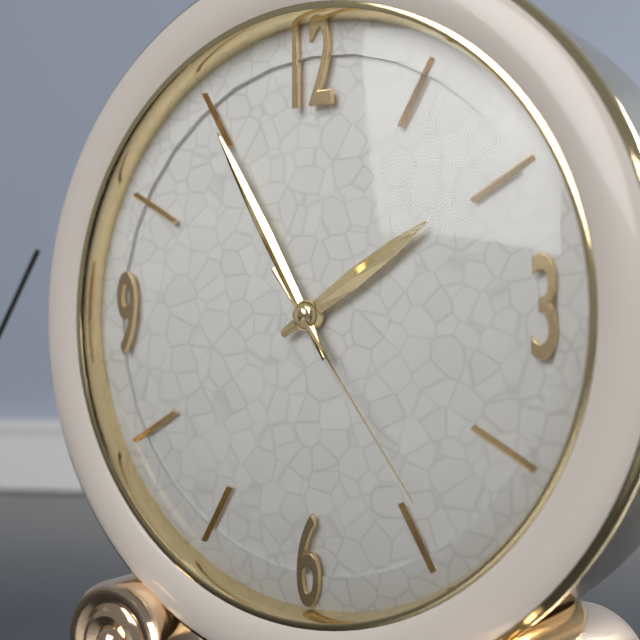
1:55:24
